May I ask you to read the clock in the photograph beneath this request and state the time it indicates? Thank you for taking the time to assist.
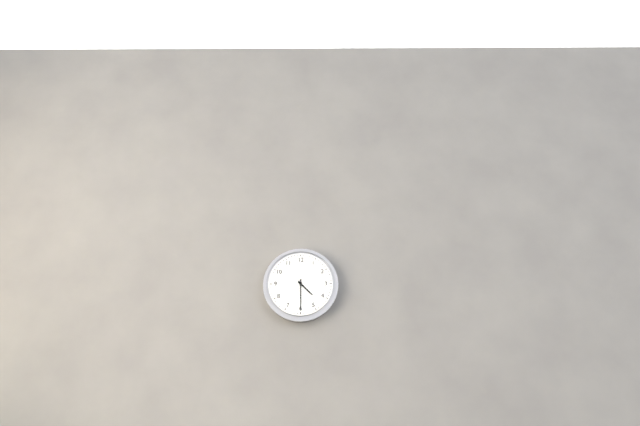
4:30
